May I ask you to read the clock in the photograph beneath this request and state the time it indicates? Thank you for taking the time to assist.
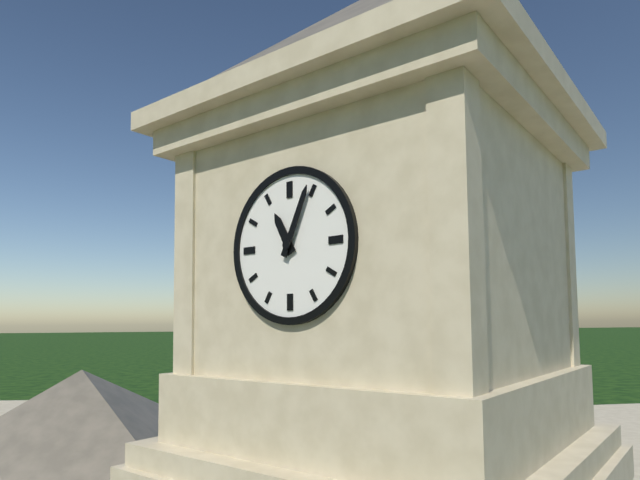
11:04
